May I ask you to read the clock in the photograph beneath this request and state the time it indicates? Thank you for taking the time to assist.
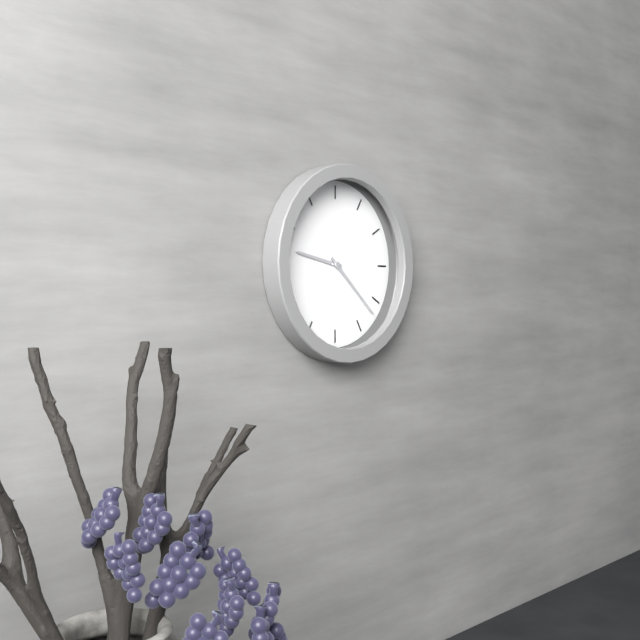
9:22
